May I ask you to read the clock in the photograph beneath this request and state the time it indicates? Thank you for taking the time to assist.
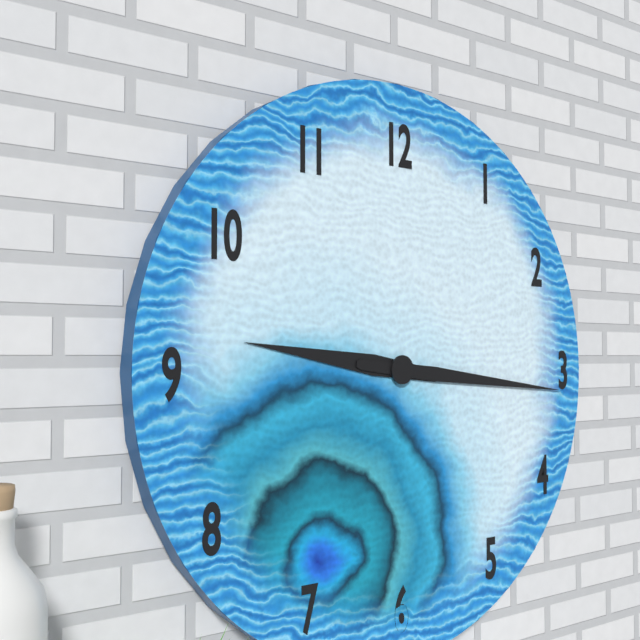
9:16
